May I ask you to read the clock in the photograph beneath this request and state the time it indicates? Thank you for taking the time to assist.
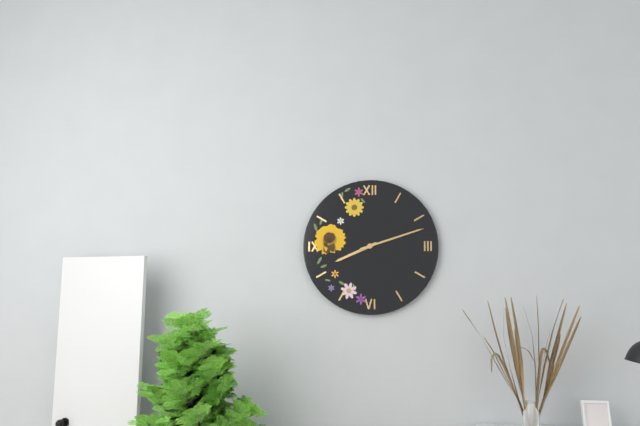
8:12
